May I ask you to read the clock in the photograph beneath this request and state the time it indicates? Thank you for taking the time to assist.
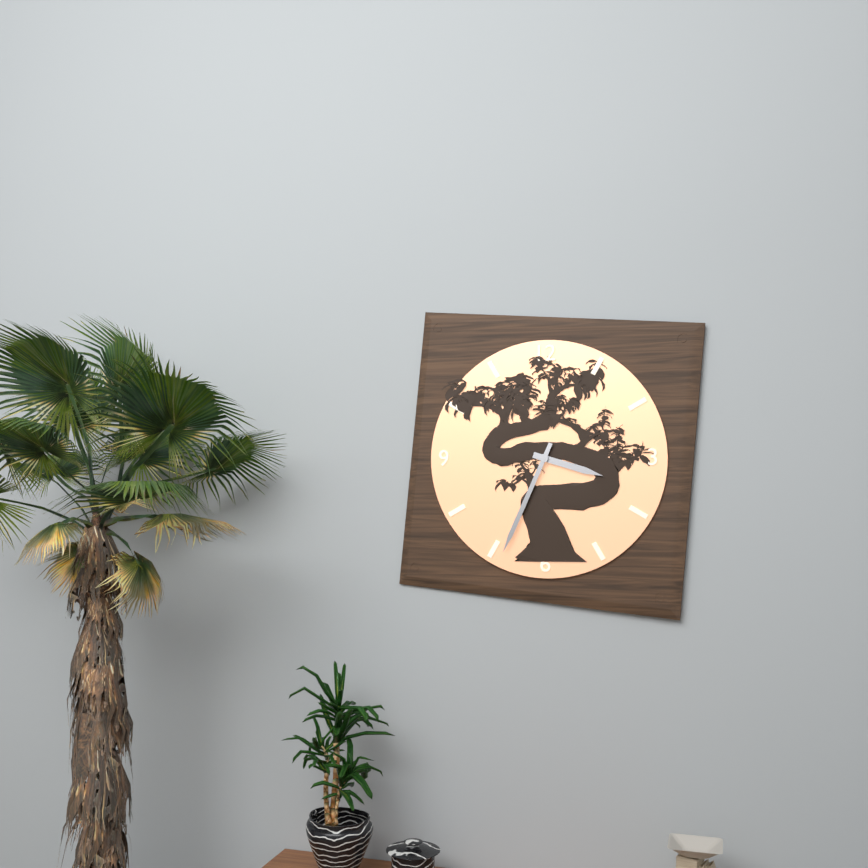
3:34
